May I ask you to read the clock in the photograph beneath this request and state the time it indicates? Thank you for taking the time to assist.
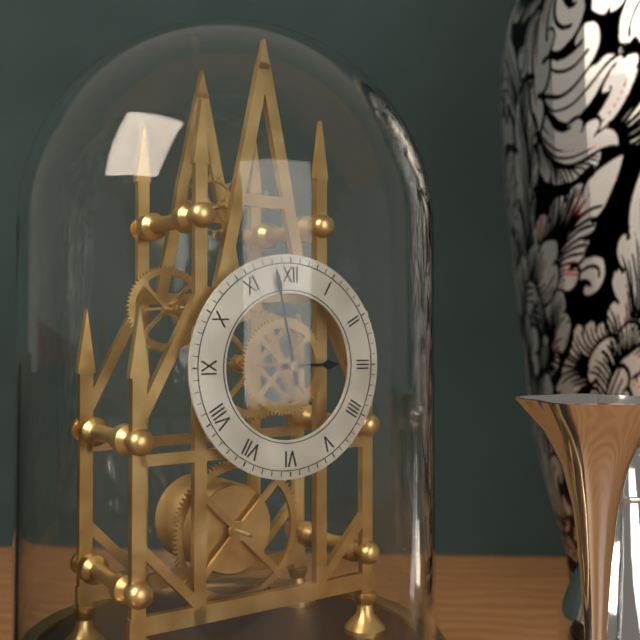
2:58
